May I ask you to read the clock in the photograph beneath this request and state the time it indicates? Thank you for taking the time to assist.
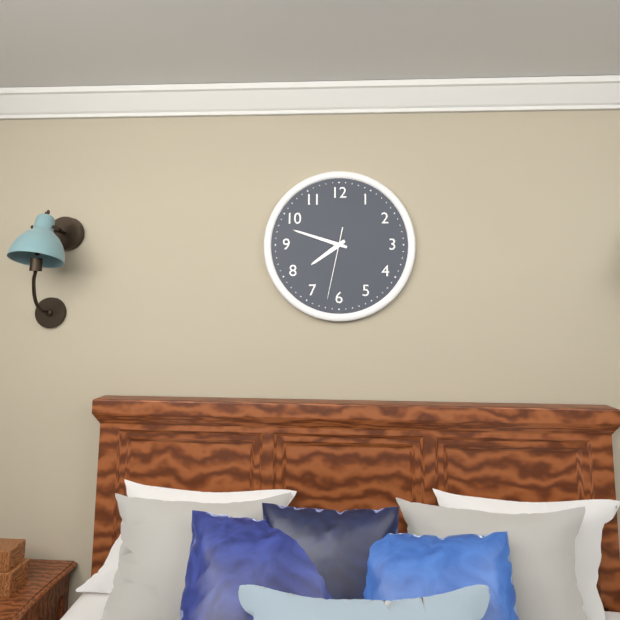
7:48:32
